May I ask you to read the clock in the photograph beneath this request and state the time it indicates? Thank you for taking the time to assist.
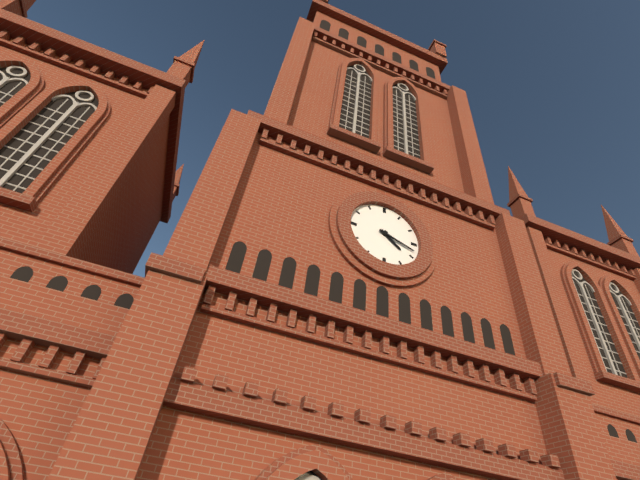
4:18
